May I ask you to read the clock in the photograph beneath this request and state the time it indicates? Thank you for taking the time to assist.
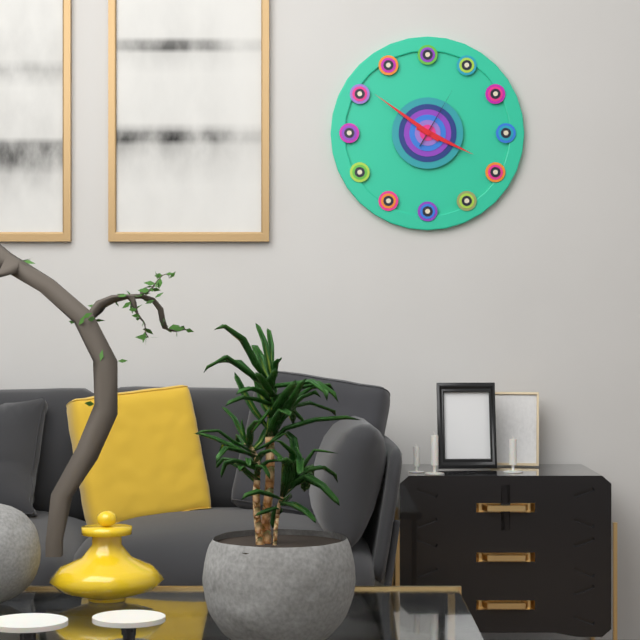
3:51:05
